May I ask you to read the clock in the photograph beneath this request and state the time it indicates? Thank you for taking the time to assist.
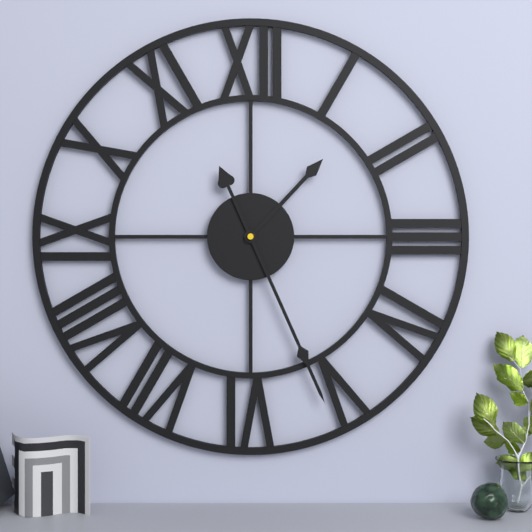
1:26
